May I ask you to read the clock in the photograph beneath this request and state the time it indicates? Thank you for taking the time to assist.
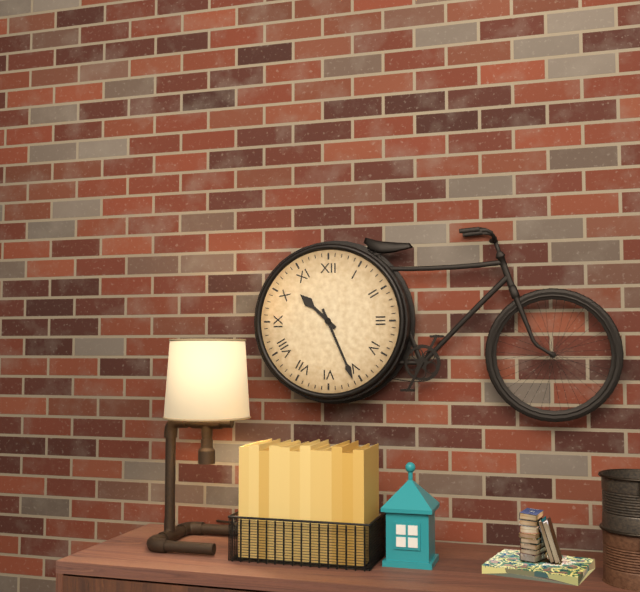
10:26
